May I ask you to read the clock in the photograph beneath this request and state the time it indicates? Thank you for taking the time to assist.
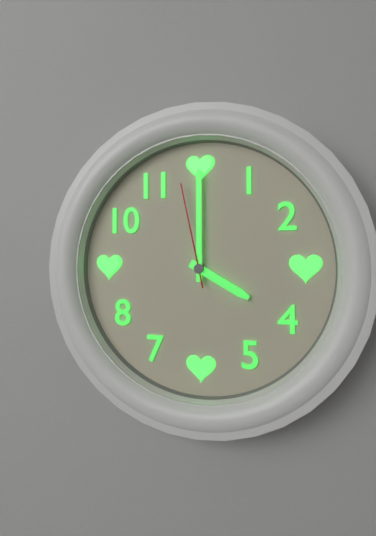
4:00:58
